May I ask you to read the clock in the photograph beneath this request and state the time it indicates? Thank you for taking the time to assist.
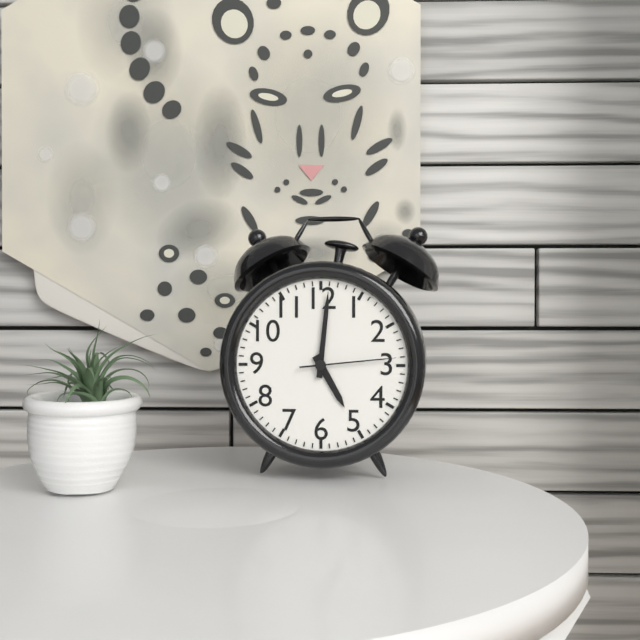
5:01:14
